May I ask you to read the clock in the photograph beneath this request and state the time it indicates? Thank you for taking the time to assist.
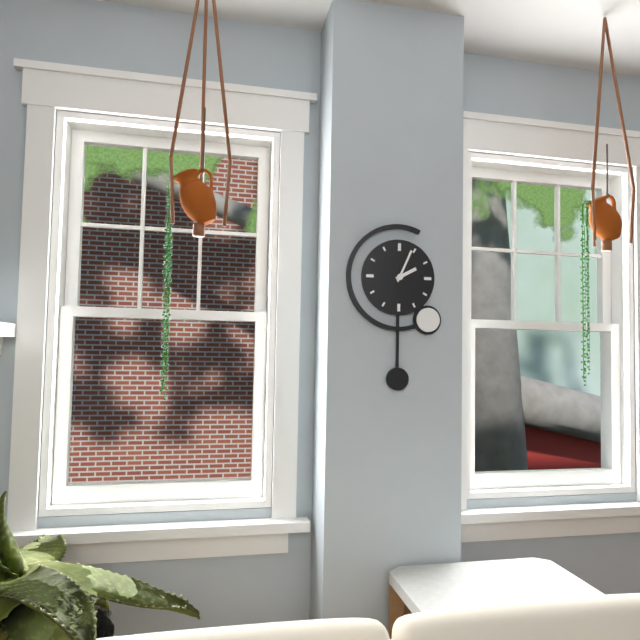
2:04
